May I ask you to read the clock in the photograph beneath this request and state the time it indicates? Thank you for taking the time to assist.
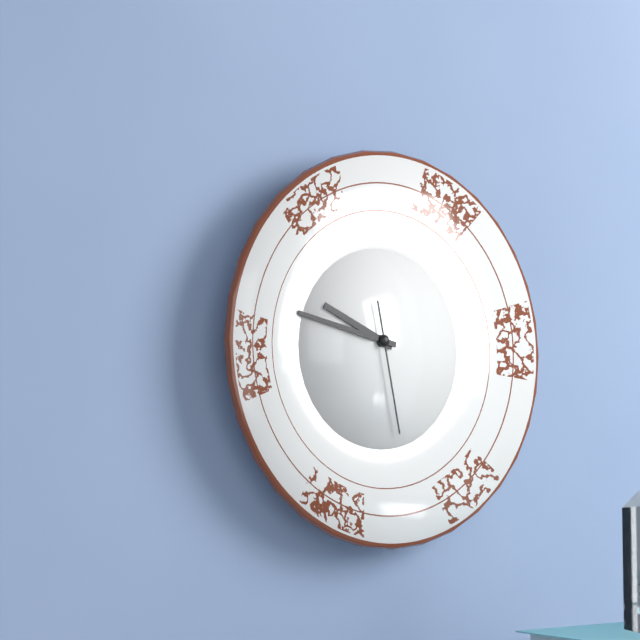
9:47:28
